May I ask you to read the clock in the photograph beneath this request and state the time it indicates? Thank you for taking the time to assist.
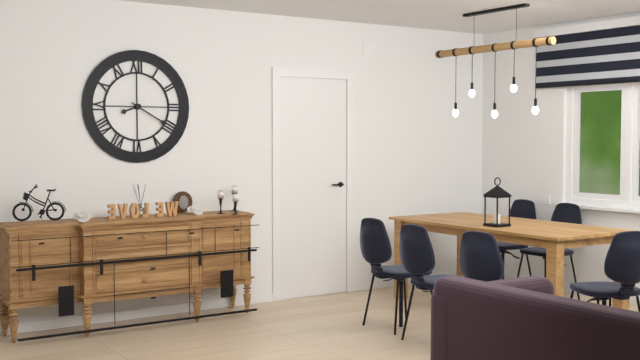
8:20
